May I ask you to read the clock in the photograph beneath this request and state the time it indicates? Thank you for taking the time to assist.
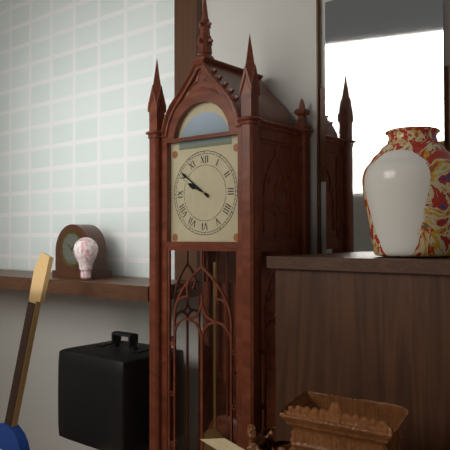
9:51
